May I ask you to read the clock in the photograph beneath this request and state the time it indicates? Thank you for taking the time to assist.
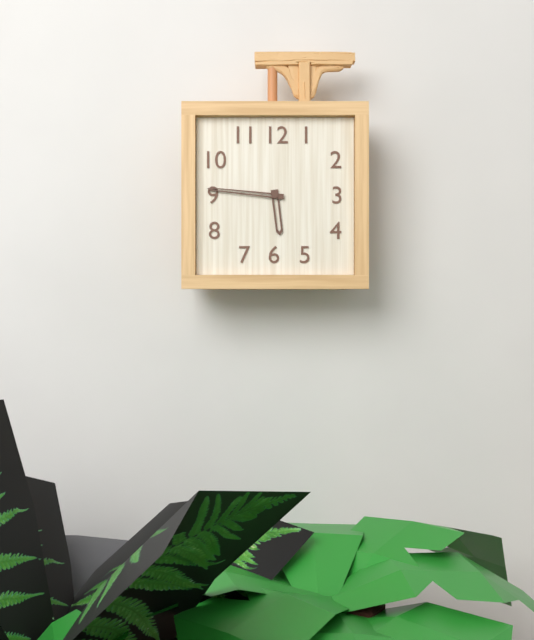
5:46
